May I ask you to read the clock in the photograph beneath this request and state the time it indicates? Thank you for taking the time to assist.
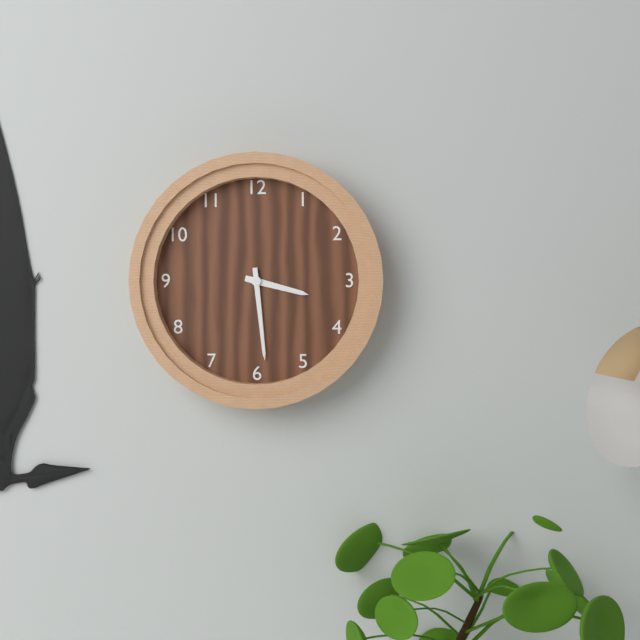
3:29
